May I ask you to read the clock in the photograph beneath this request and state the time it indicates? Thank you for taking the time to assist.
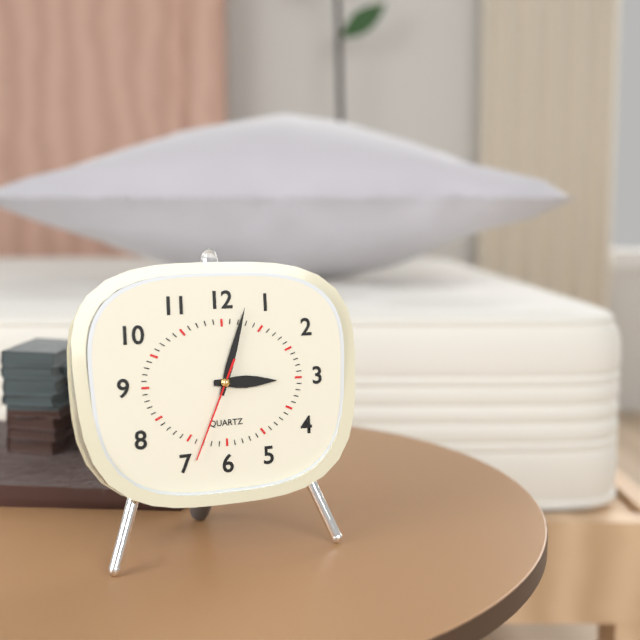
3:03:34
